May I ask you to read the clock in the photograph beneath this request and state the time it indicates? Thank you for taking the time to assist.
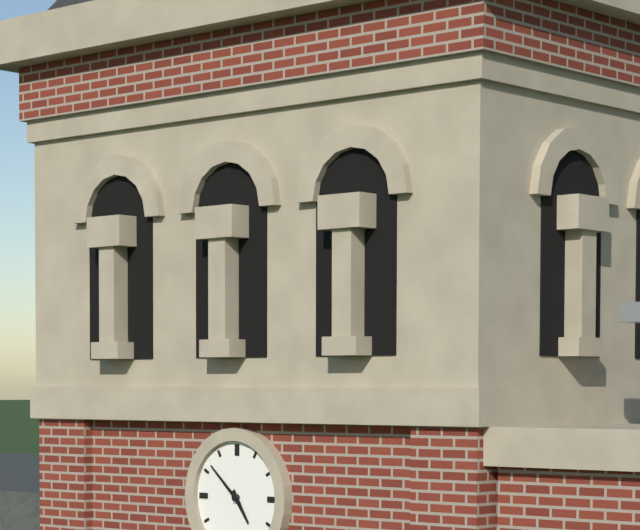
4:52
